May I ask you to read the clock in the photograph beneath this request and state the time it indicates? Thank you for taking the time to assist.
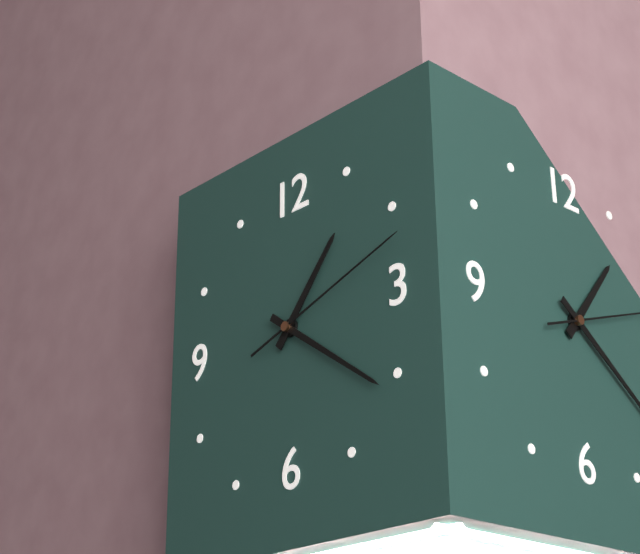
1:21:12
